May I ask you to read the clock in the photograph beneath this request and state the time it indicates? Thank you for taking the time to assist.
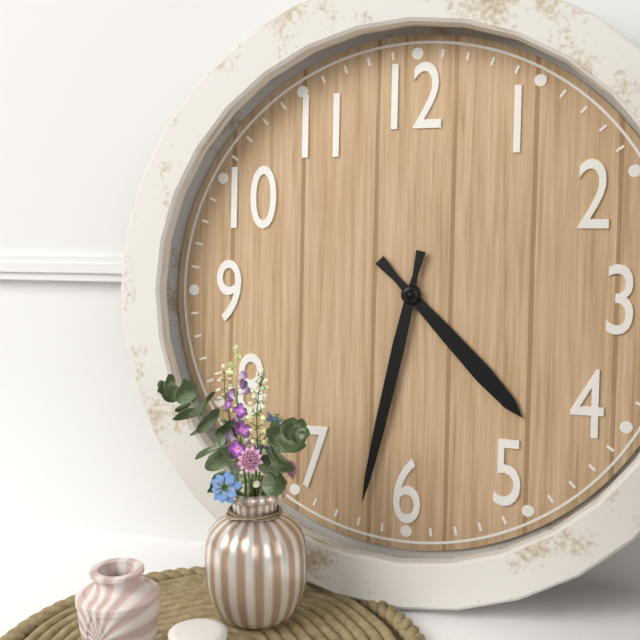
4:32
